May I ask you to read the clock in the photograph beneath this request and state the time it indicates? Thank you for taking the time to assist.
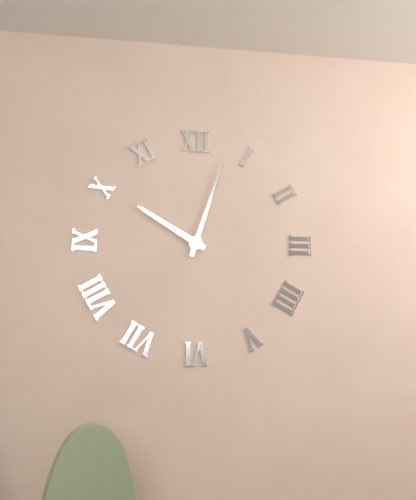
10:03
